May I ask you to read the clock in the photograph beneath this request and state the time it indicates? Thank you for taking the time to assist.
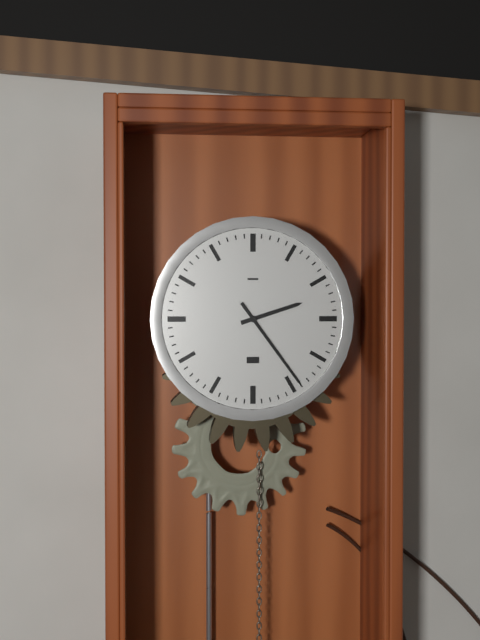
2:24
